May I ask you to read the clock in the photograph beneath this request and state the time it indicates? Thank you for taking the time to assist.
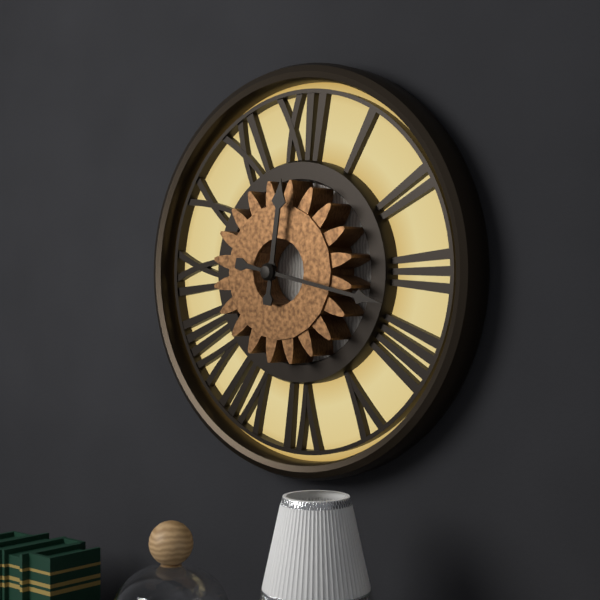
12:17
